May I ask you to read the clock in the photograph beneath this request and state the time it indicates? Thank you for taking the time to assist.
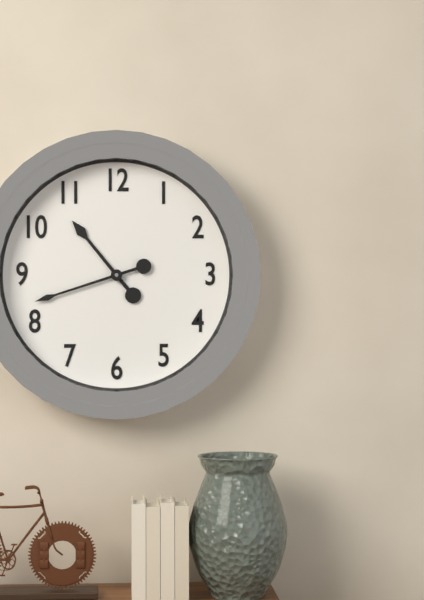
10:42
